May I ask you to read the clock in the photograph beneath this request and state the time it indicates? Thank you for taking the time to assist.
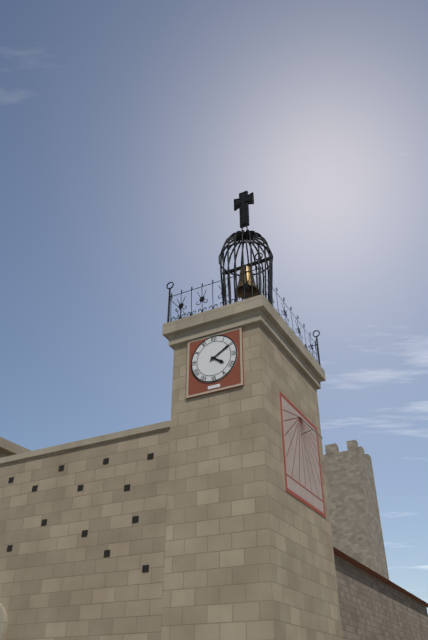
4:10
